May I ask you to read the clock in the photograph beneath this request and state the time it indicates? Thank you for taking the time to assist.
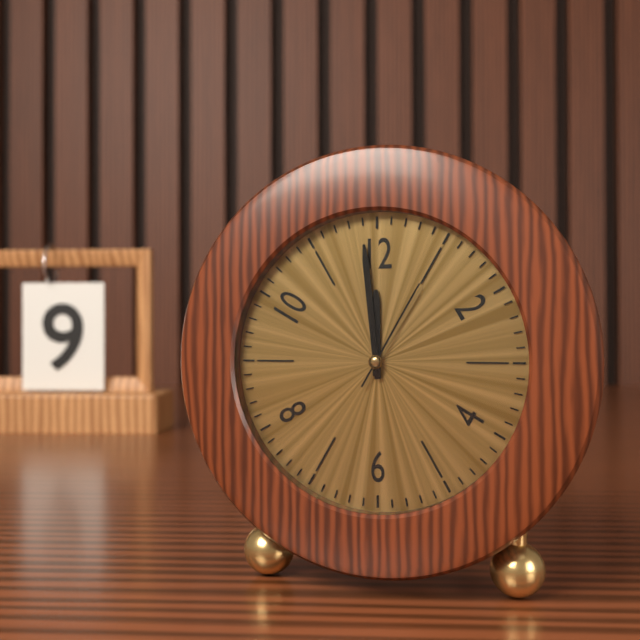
11:59:05
